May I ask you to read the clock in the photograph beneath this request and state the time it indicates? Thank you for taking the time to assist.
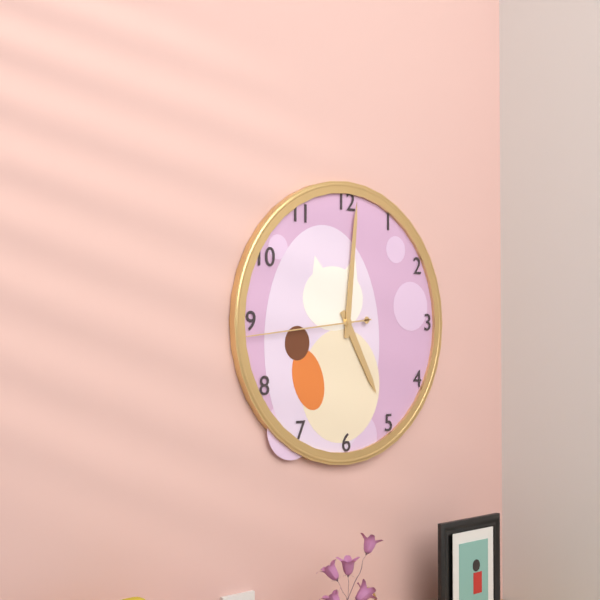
5:01:44
